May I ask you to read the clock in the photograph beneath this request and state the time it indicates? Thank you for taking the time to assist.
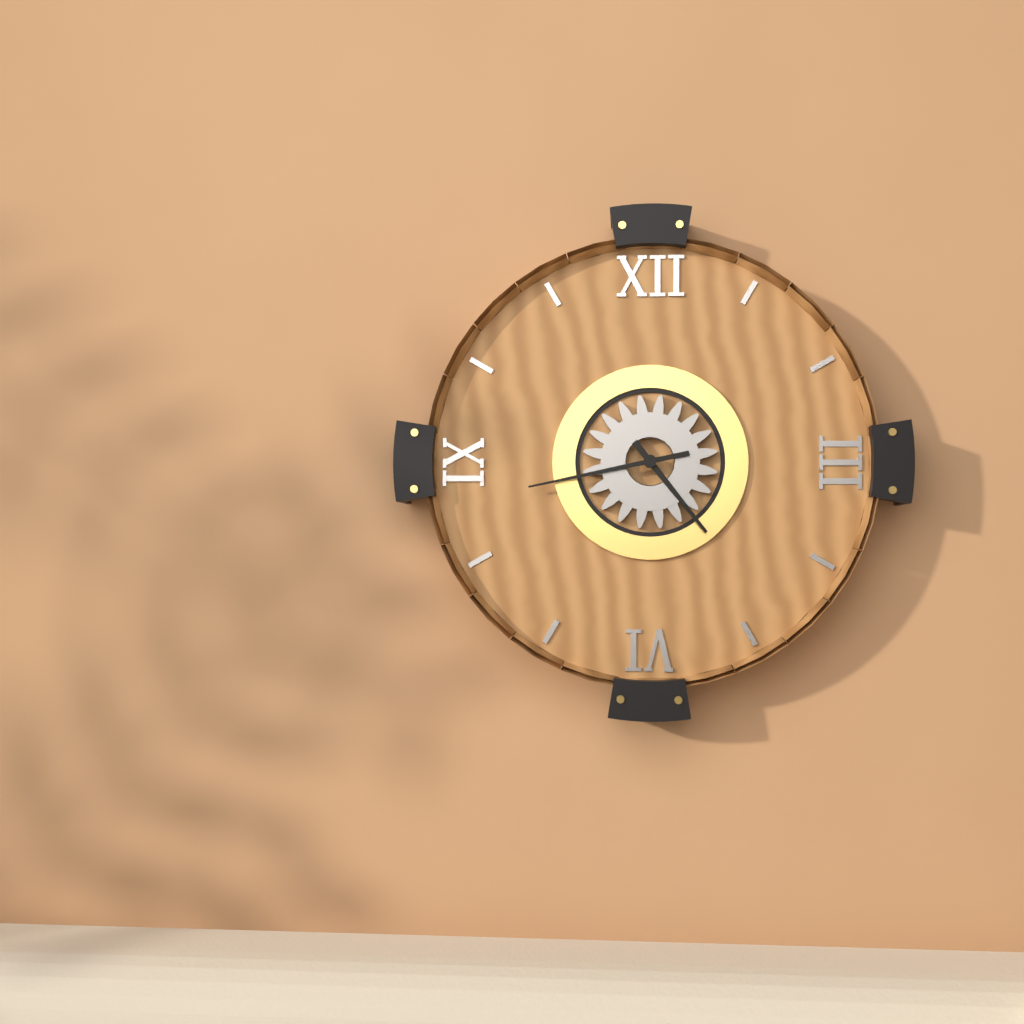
4:43
